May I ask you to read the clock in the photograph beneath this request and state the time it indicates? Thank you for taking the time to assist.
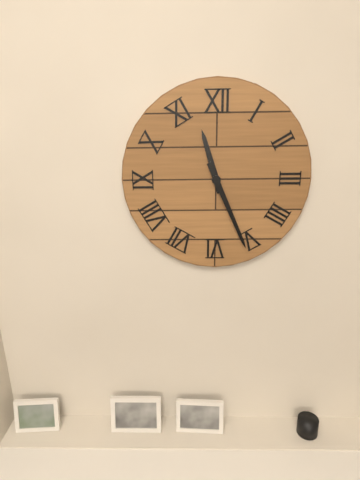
11:26
